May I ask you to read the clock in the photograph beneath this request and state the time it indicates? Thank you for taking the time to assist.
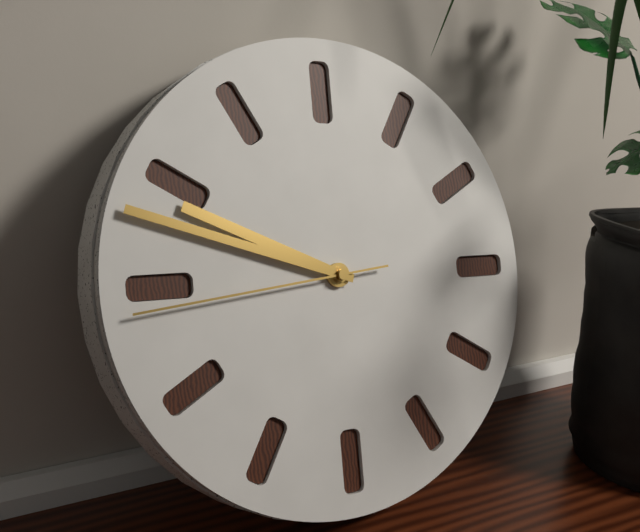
9:48:44
